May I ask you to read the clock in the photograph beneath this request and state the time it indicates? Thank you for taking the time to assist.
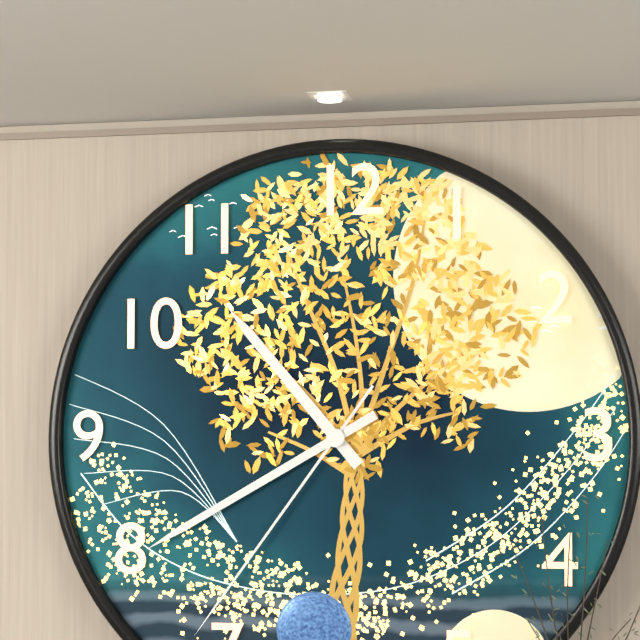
10:40:36
